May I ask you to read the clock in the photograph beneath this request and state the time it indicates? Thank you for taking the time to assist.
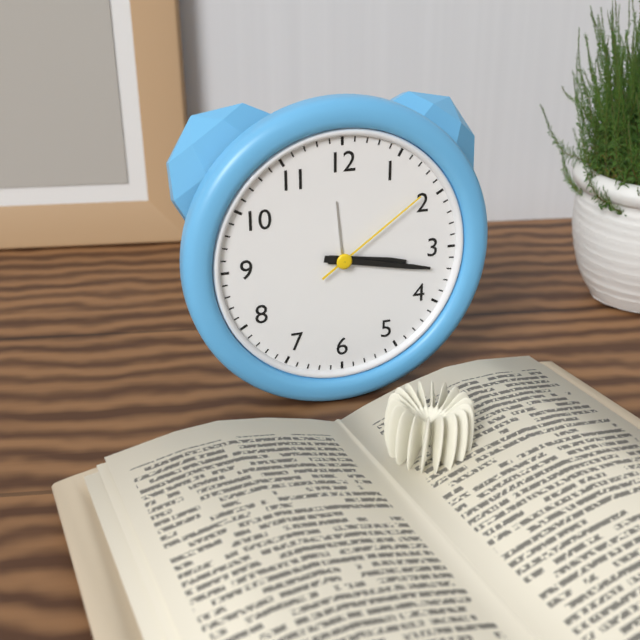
3:17:09
